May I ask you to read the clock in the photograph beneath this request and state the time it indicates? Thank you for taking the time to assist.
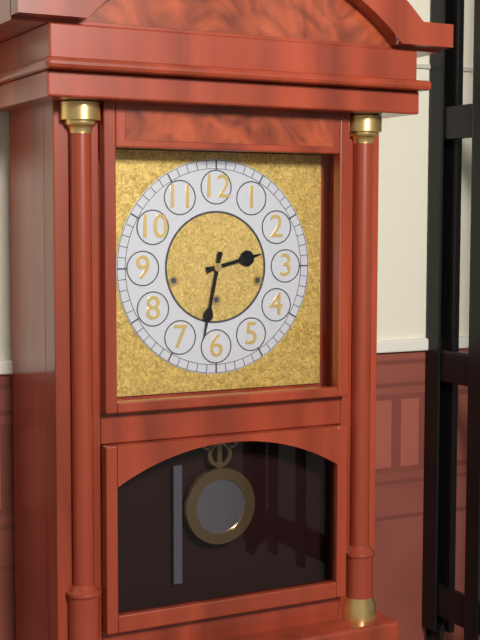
2:32
